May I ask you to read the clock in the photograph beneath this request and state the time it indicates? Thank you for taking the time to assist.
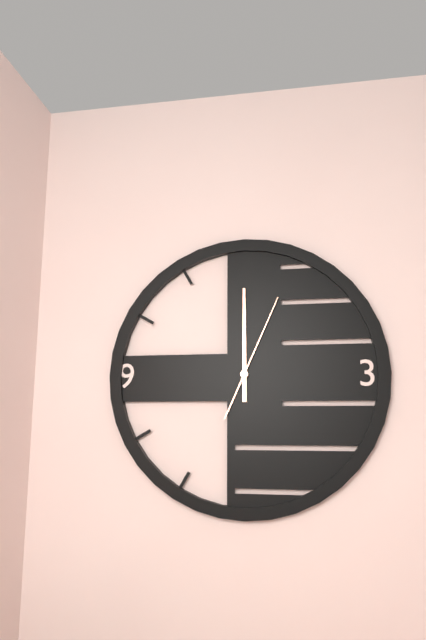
12:00:04
